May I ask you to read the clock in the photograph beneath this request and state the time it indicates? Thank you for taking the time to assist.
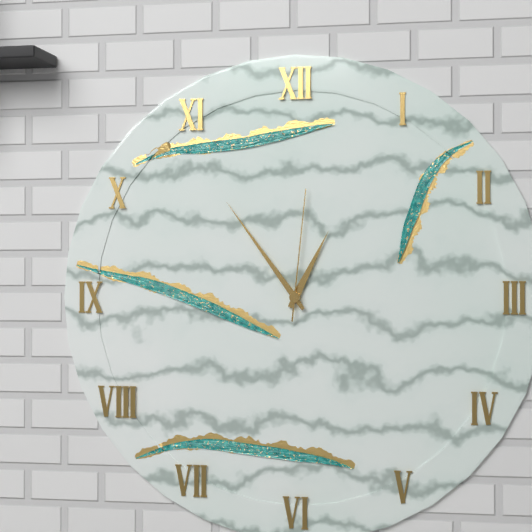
12:54:01
